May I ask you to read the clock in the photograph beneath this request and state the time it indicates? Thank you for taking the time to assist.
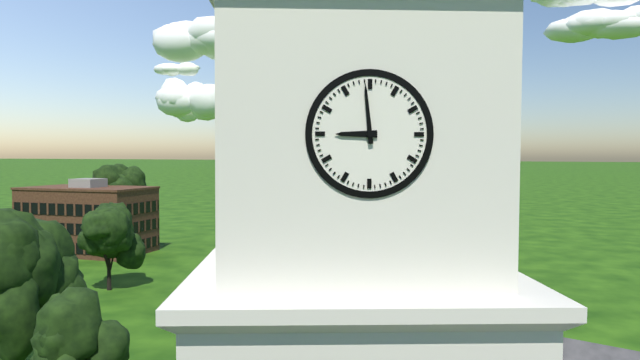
8:59
